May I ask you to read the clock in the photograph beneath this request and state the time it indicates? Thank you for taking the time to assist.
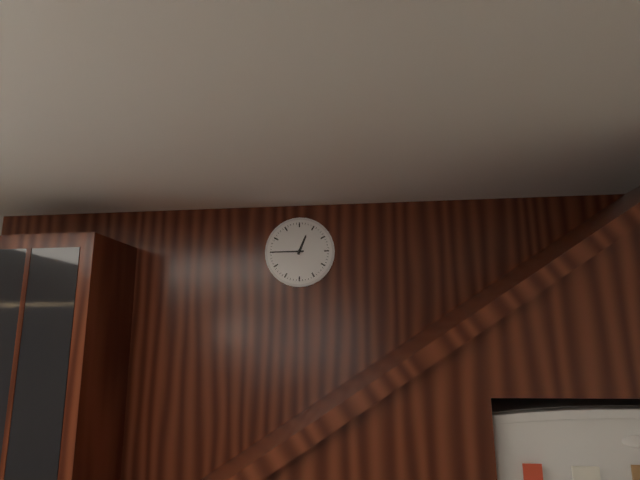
12:45
